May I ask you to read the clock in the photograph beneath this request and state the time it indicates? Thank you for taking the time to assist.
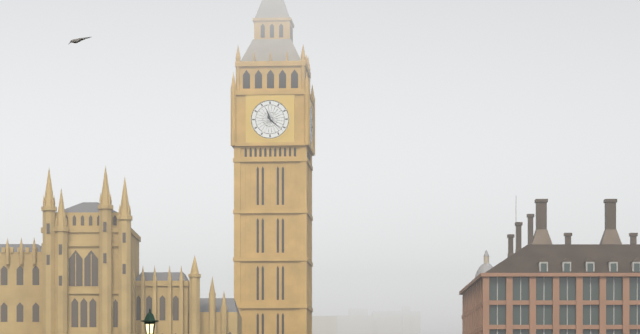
11:22
